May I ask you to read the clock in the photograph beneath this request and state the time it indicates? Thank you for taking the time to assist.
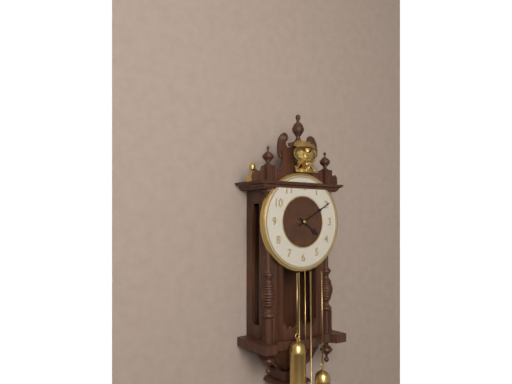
4:10
